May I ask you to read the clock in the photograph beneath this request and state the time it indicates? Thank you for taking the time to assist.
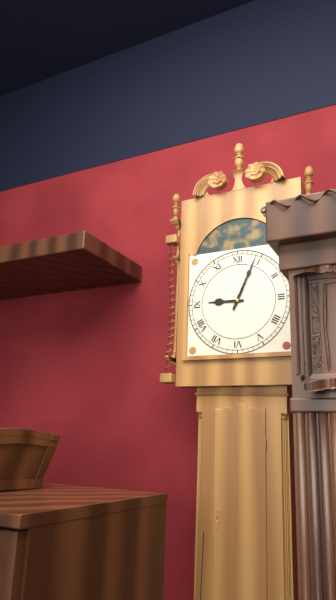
9:04
